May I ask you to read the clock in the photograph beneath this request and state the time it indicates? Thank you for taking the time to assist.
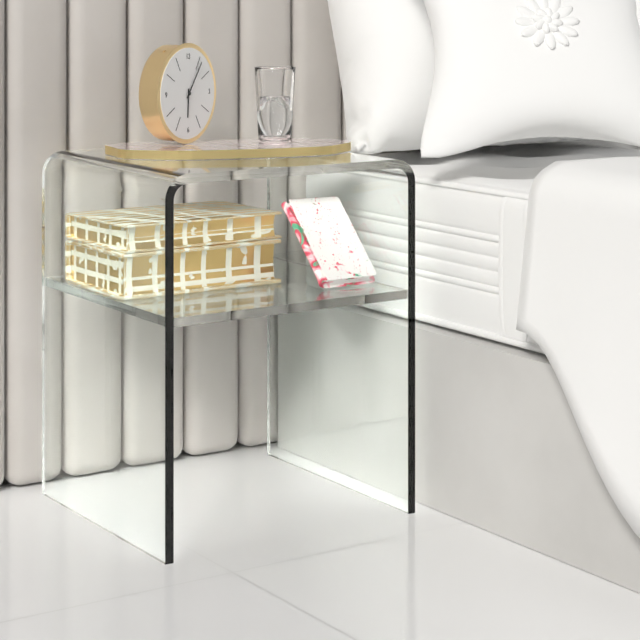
6:06
